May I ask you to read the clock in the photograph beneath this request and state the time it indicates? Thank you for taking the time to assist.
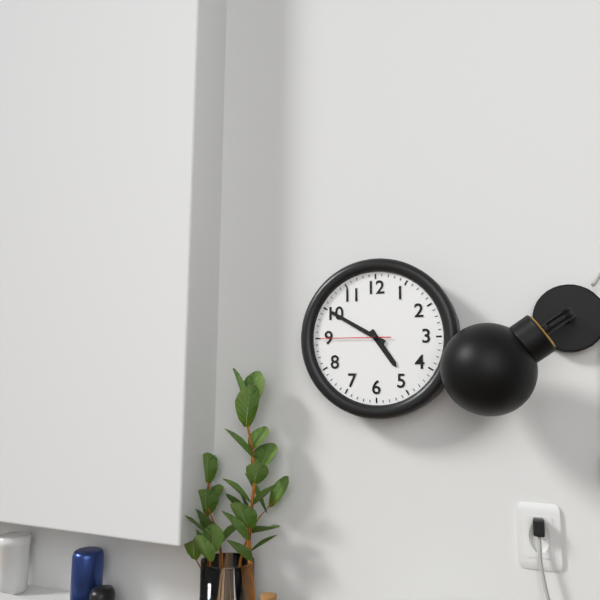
4:50:45
